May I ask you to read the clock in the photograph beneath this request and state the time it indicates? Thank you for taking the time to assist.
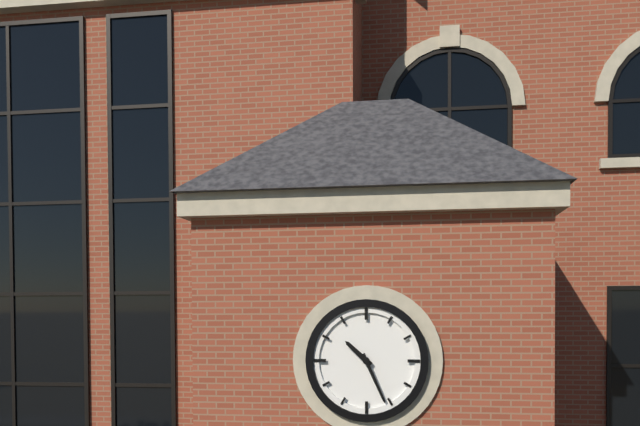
10:26
